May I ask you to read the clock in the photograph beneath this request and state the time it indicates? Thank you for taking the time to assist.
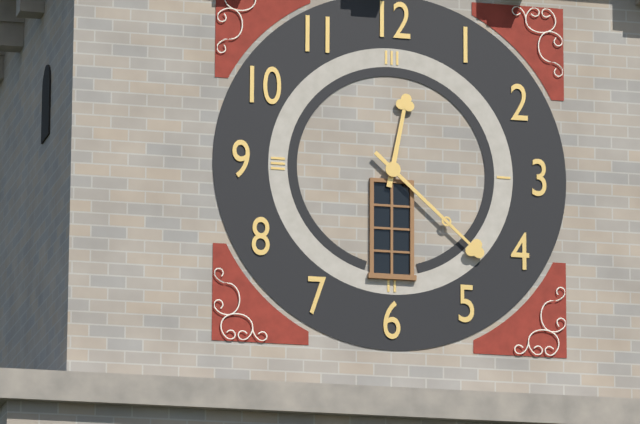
12:22
